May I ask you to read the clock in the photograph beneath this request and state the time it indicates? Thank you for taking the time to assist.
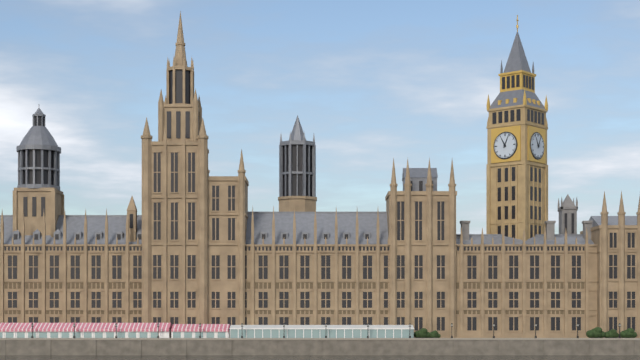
11:04
